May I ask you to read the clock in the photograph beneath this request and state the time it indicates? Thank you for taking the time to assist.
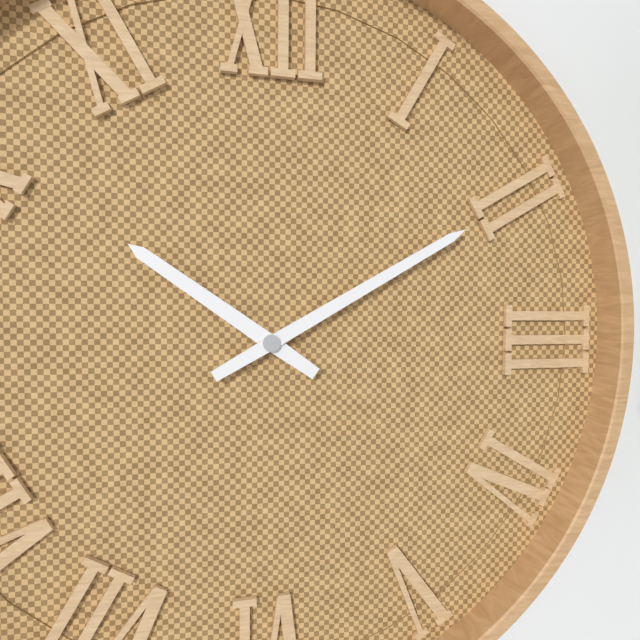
10:10
